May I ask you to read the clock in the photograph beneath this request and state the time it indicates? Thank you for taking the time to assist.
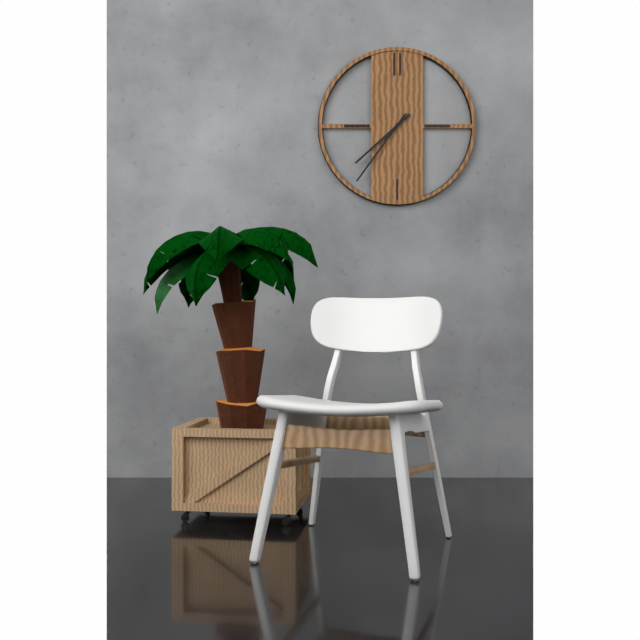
7:36
